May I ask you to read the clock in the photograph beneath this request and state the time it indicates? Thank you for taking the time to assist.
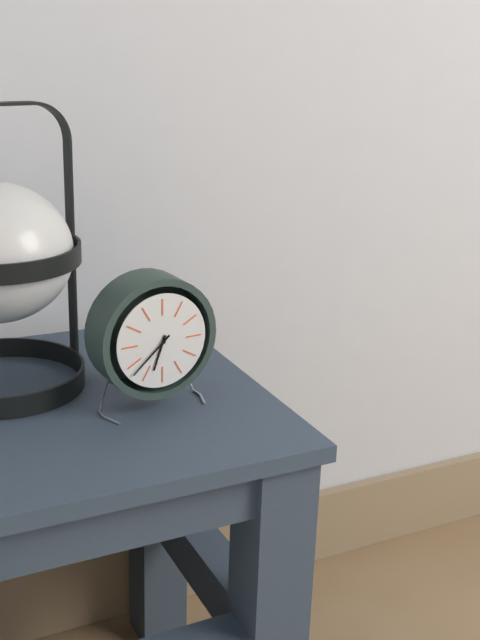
6:38
